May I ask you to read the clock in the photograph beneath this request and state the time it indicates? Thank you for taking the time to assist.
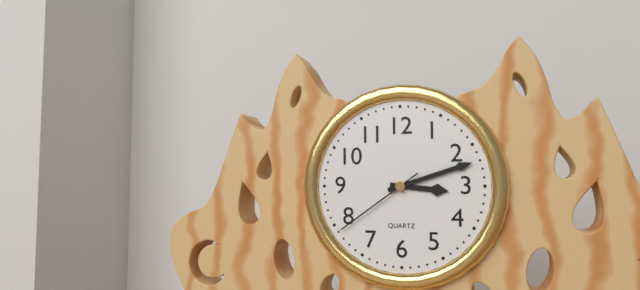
3:12:39
